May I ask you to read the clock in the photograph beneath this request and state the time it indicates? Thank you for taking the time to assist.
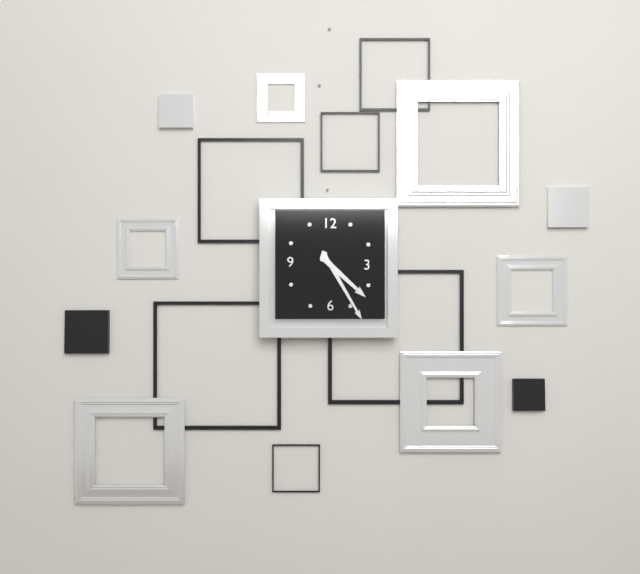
4:25
